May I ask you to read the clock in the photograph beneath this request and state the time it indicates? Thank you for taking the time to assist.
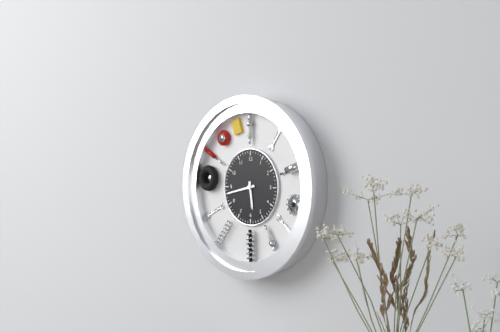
5:43
